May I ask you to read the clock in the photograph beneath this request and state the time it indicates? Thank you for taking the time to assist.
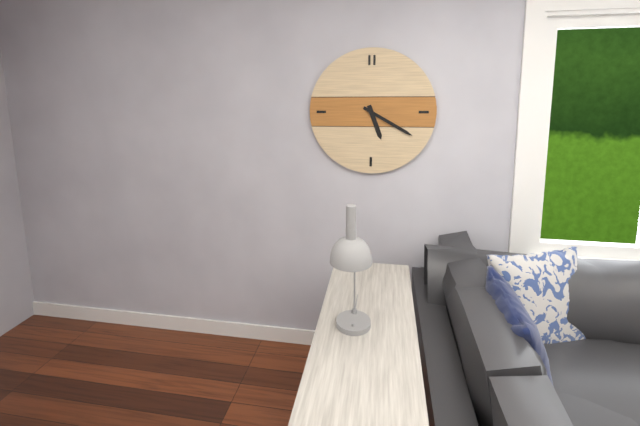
5:20
